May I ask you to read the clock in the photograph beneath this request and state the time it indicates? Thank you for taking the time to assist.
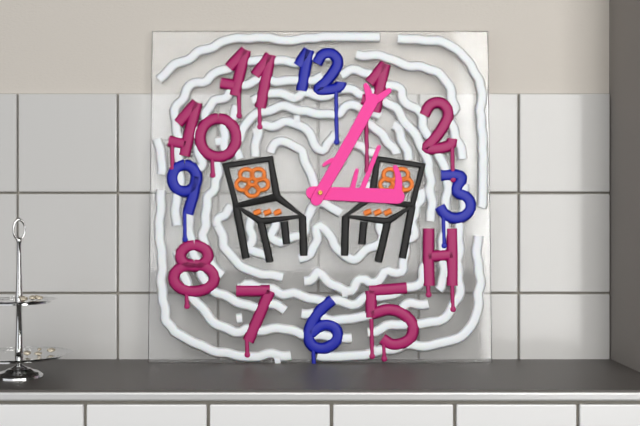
3:05
